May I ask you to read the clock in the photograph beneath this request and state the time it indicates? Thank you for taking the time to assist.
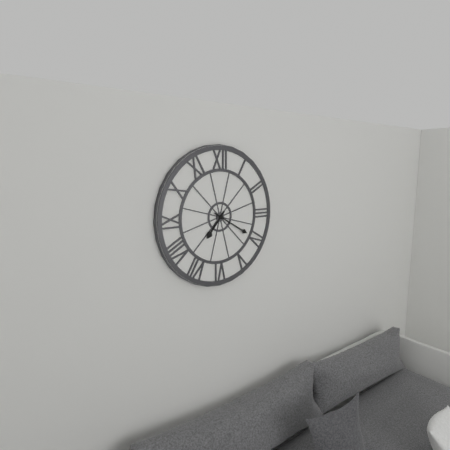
7:20
